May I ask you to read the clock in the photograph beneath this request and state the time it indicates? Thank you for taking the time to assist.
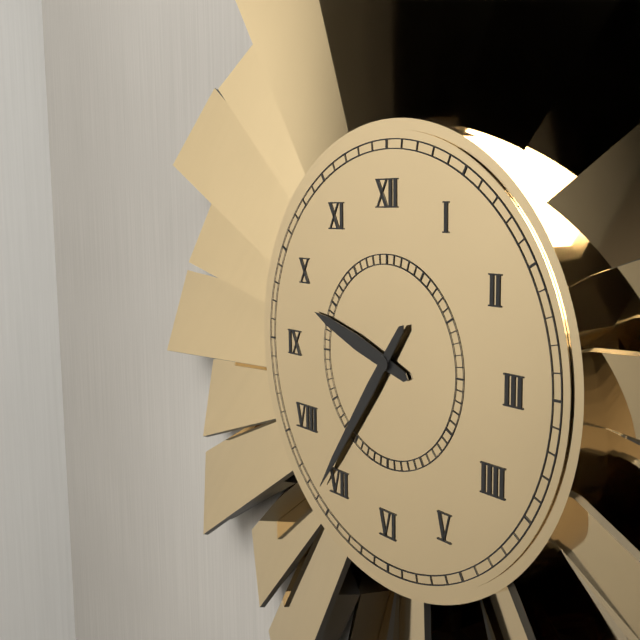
9:36
